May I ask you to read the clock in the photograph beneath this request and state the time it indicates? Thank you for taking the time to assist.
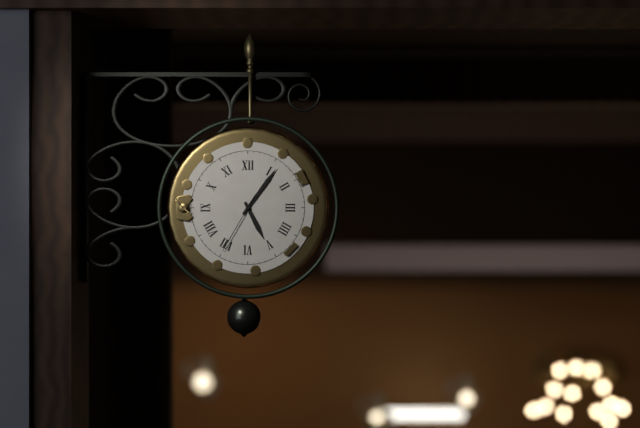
5:06:35
